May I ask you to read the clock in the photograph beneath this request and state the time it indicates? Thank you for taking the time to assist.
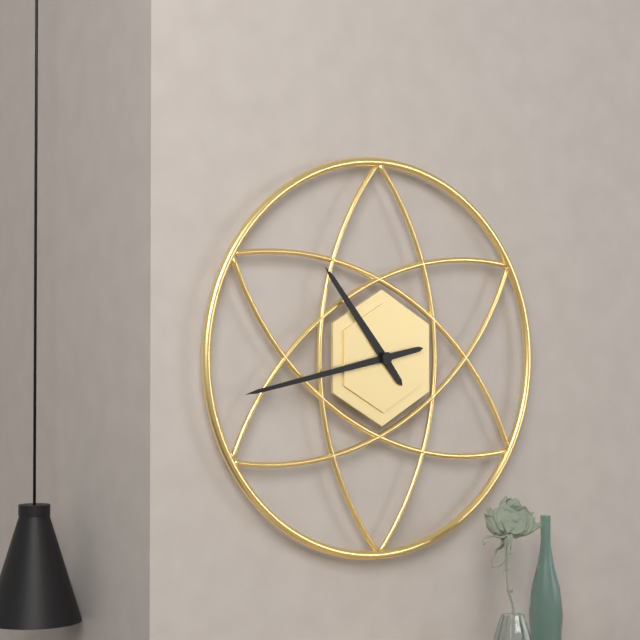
10:43
